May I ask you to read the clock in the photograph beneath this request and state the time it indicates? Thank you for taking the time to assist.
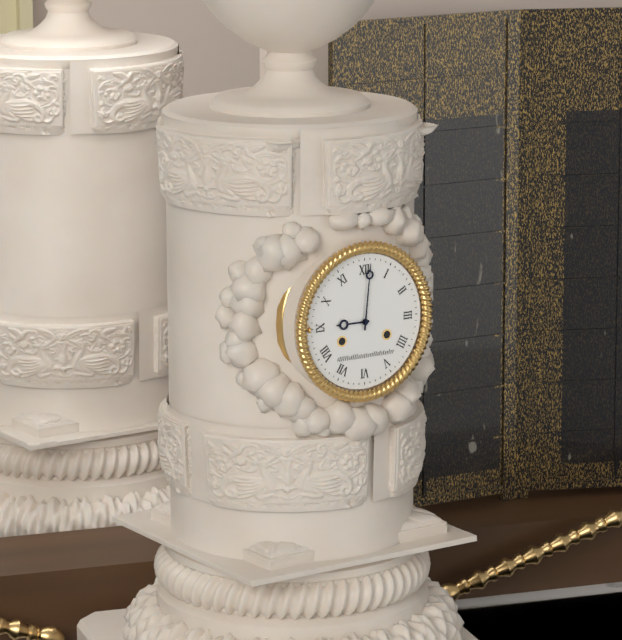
9:01
